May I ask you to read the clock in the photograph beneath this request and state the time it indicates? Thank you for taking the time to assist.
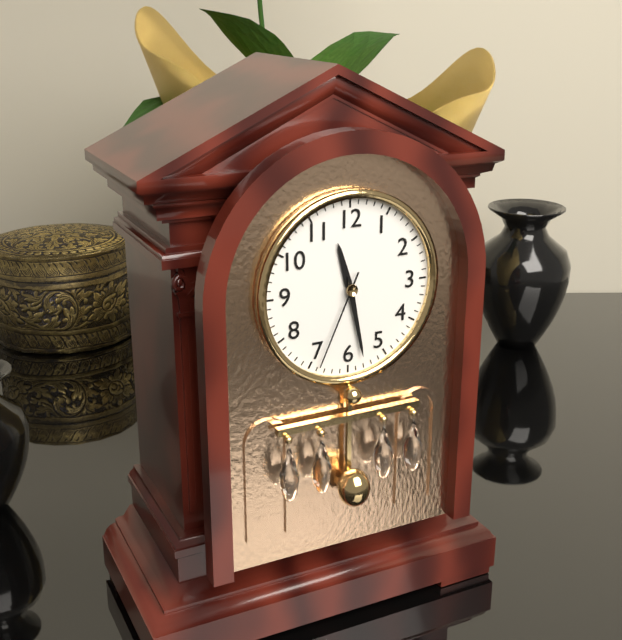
11:28:34
